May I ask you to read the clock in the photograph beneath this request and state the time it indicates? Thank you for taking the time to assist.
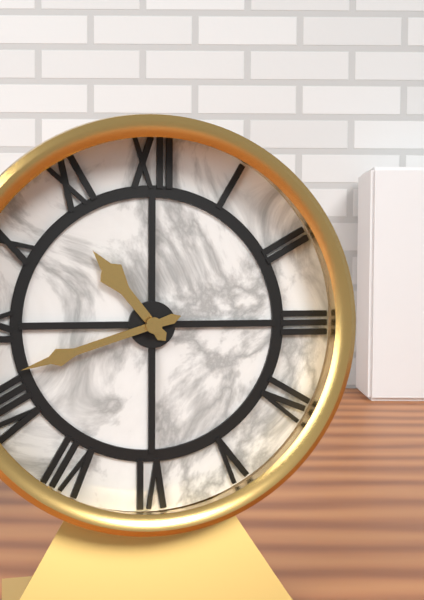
10:42
